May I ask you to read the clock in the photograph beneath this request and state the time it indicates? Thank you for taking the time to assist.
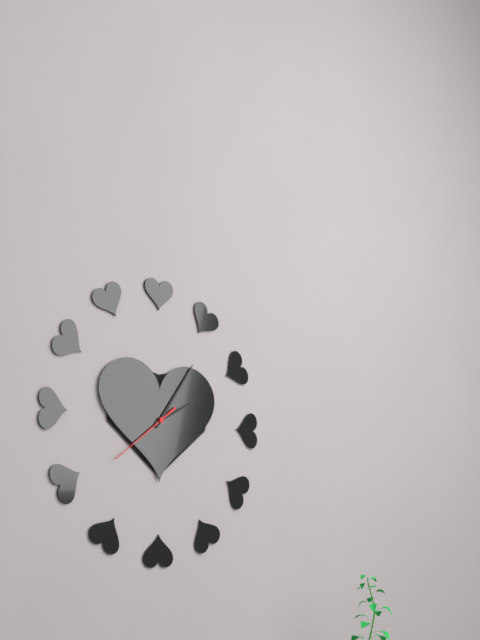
2:06:39
